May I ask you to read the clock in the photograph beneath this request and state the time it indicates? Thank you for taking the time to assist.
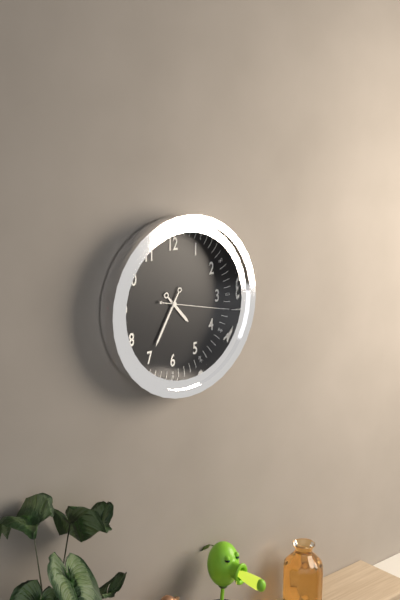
4:35:17
